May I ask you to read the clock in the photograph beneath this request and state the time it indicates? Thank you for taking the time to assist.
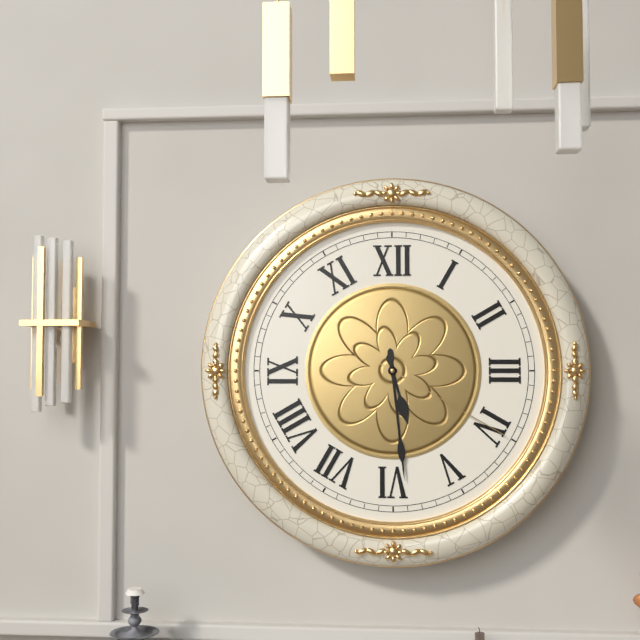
5:29:20
